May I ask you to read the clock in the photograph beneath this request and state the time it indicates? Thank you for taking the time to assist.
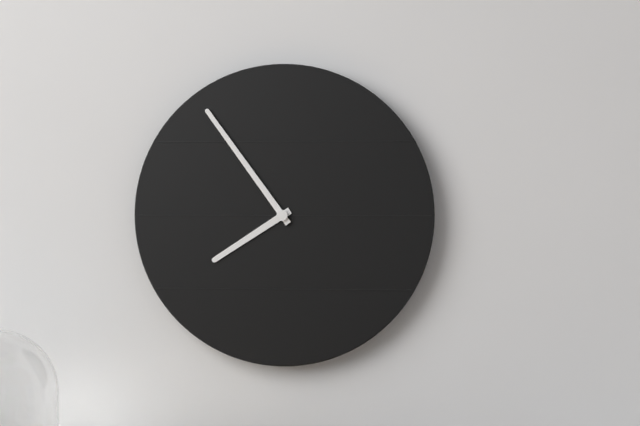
7:54
